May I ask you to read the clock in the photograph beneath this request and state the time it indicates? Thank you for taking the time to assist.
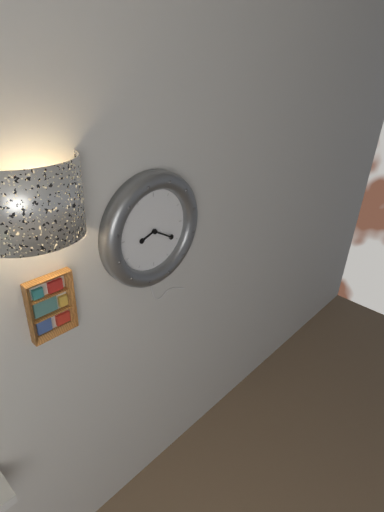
8:20
